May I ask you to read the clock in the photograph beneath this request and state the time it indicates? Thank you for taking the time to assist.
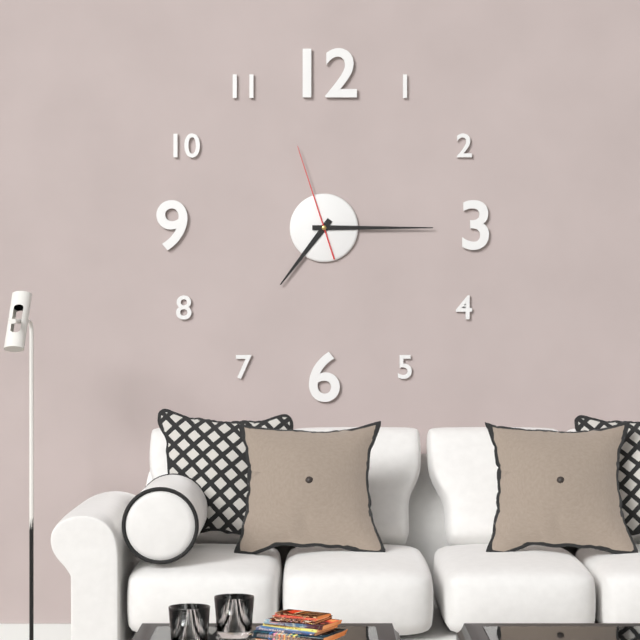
7:15:57
